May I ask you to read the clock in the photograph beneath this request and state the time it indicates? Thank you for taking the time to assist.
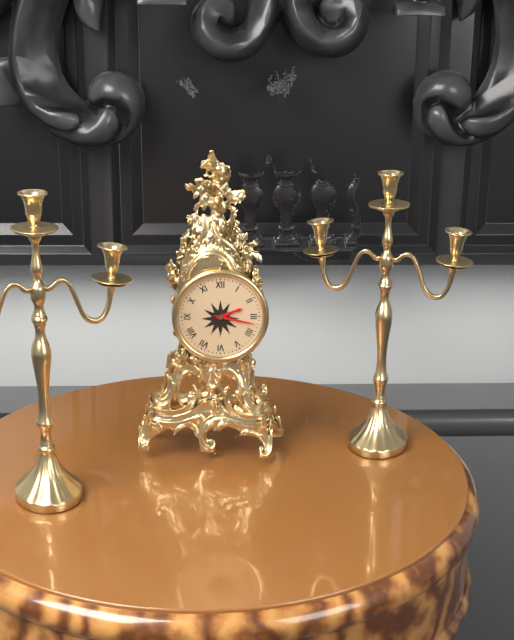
2:17
